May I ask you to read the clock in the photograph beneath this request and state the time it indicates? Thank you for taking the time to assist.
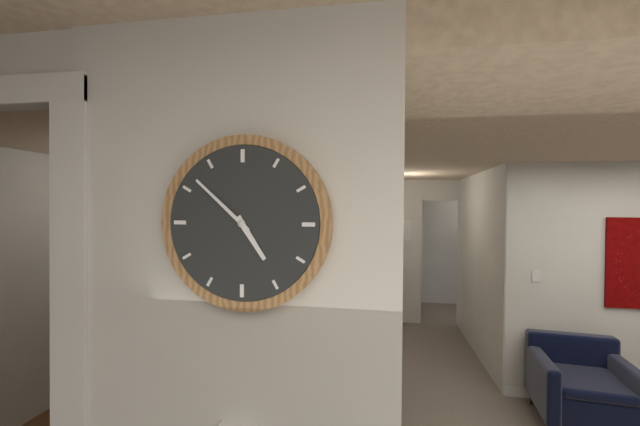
4:52
